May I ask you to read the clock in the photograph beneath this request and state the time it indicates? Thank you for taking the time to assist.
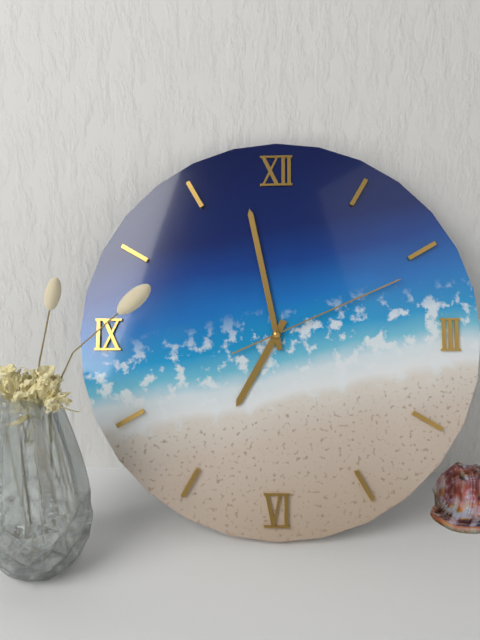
6:58:11
